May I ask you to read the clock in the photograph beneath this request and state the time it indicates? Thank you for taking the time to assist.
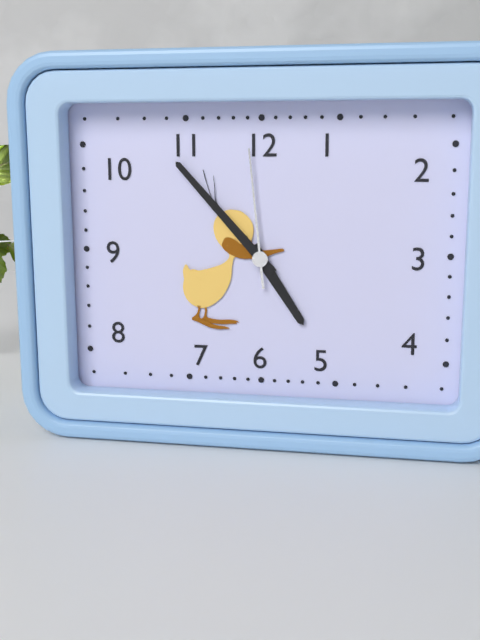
4:53:59
